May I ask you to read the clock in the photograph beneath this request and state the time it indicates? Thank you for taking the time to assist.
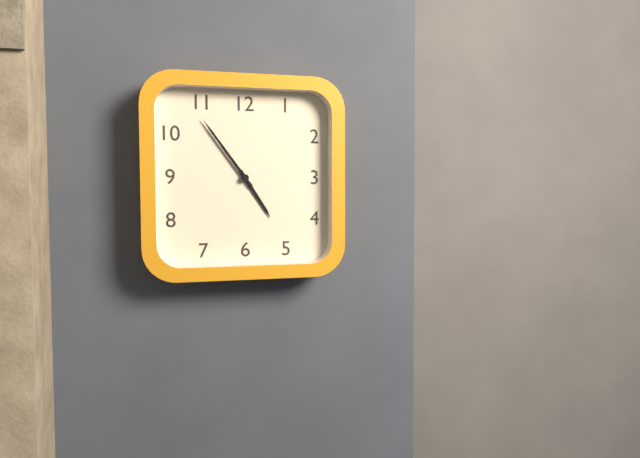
4:54
